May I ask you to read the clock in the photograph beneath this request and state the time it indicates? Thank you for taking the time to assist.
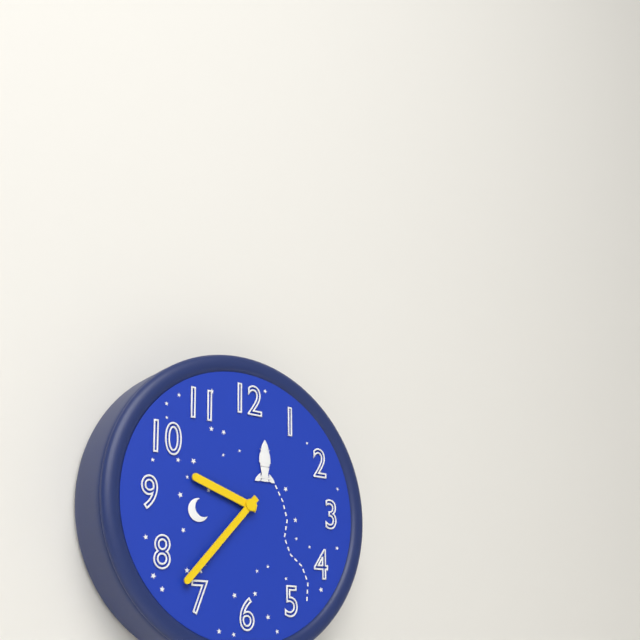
9:37
